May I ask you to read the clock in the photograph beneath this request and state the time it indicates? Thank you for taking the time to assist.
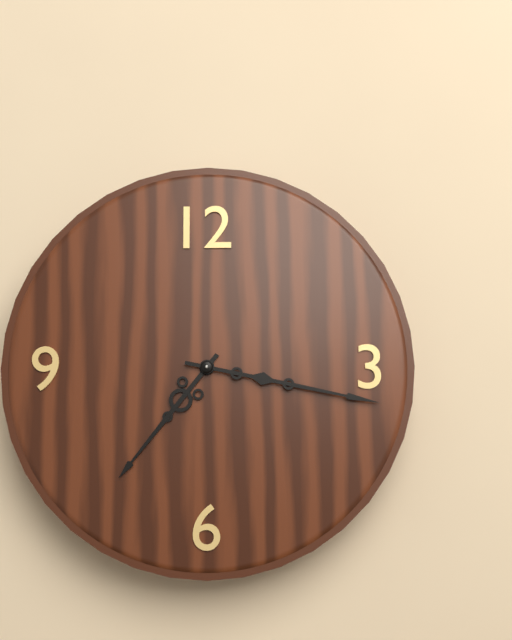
7:17
